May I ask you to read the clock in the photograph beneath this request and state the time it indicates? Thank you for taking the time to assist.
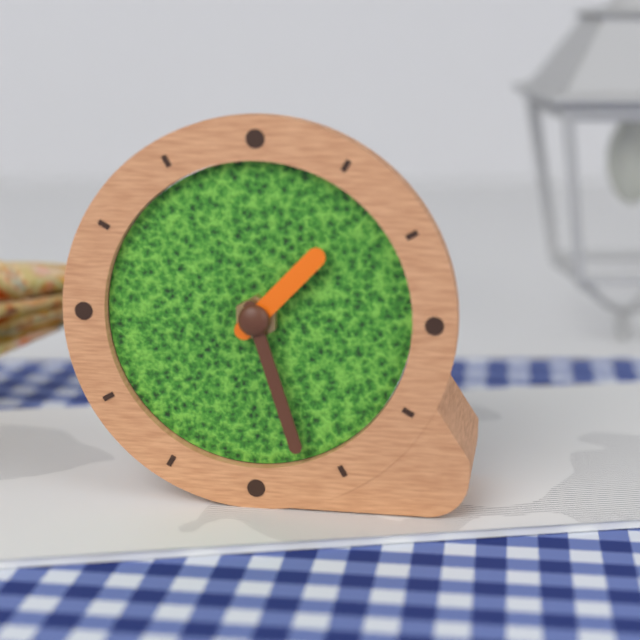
1:27
